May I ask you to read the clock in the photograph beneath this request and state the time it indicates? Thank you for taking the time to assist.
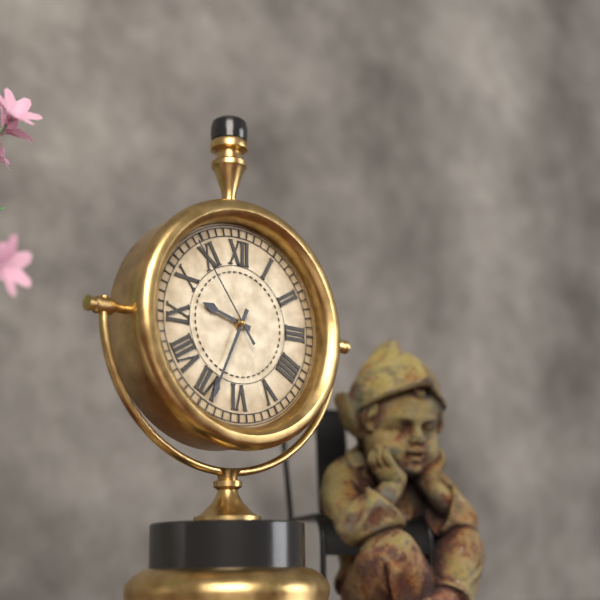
9:34:54
